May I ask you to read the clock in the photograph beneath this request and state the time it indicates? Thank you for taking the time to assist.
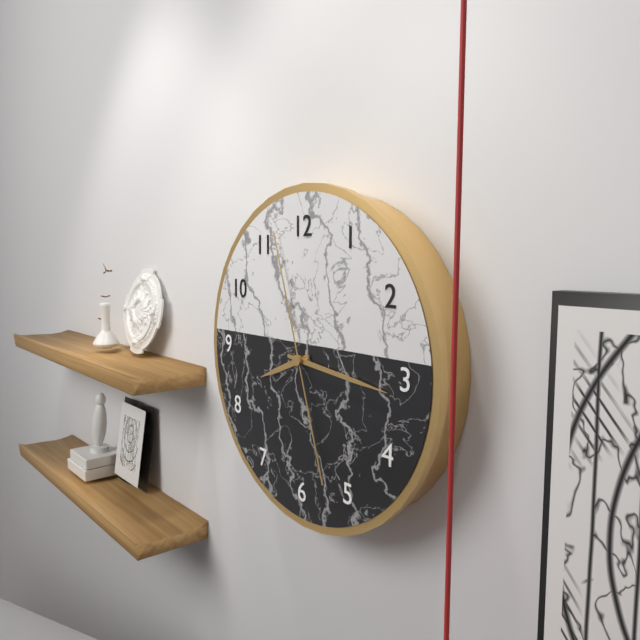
8:16:57
